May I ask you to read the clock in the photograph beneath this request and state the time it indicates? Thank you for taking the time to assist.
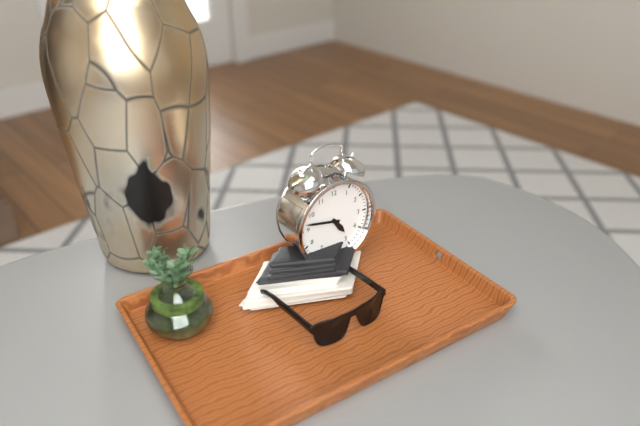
4:47
